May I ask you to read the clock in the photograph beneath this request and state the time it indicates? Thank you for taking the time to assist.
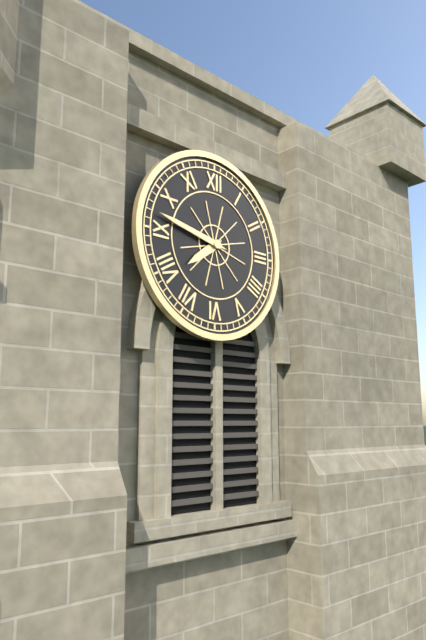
7:47
